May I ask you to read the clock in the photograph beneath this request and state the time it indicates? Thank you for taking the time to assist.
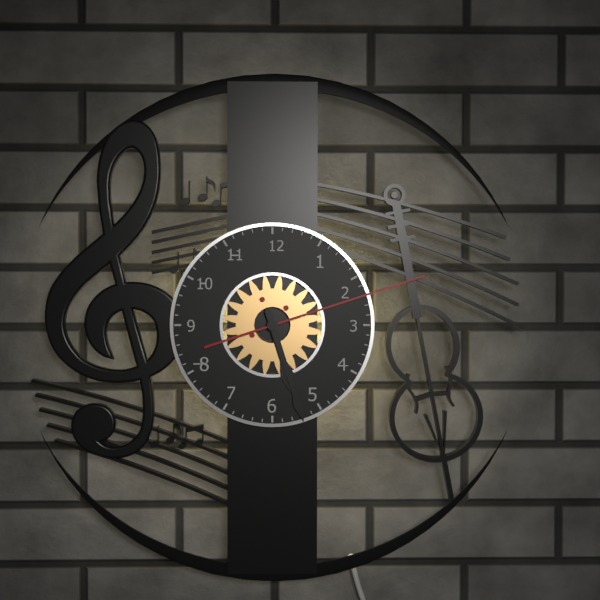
5:27:12
